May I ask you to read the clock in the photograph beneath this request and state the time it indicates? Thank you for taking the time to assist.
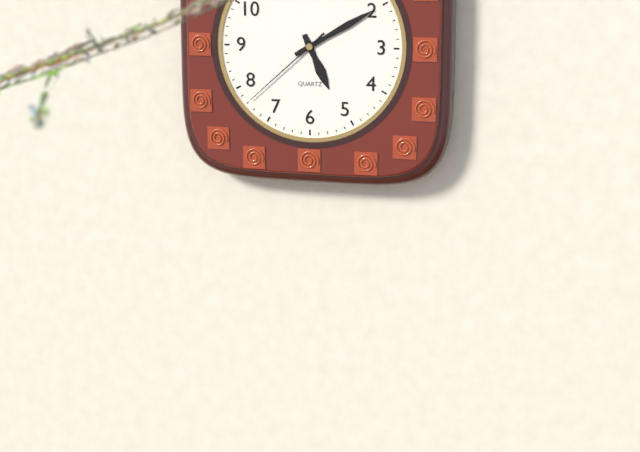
5:10:38
